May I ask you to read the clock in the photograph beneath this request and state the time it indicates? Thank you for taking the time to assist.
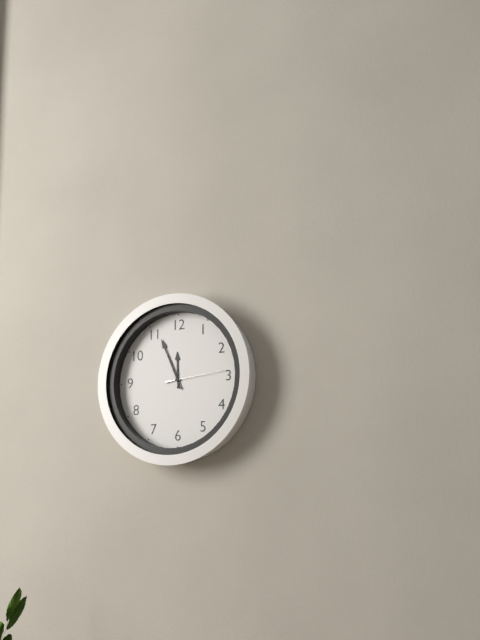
11:56:14
